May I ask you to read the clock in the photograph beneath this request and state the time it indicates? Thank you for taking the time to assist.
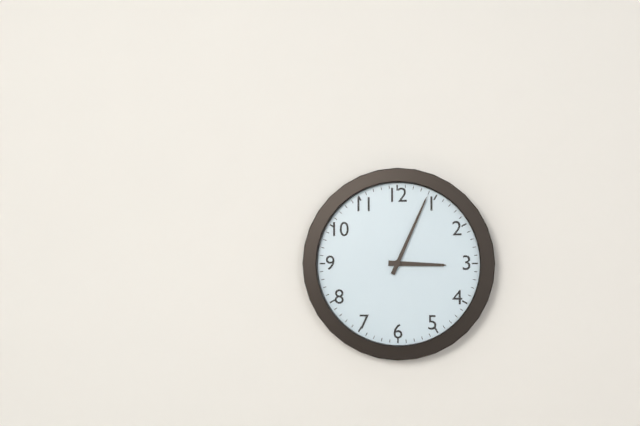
3:04
